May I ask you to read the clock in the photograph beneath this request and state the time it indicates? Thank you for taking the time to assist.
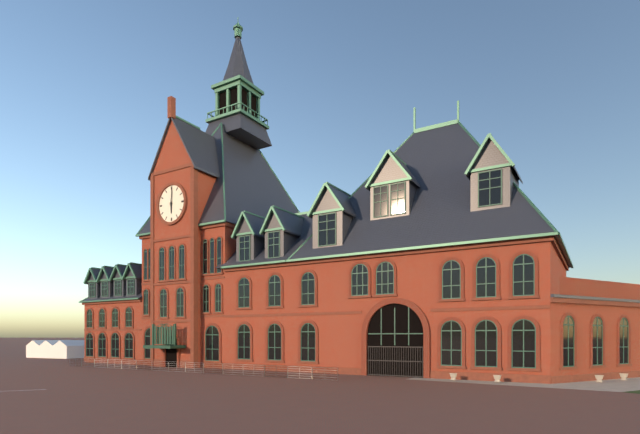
6:01
